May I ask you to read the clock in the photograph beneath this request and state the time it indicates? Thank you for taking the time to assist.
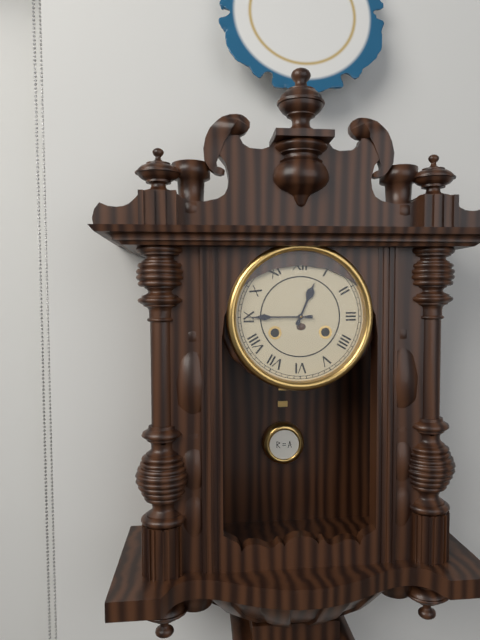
12:45
